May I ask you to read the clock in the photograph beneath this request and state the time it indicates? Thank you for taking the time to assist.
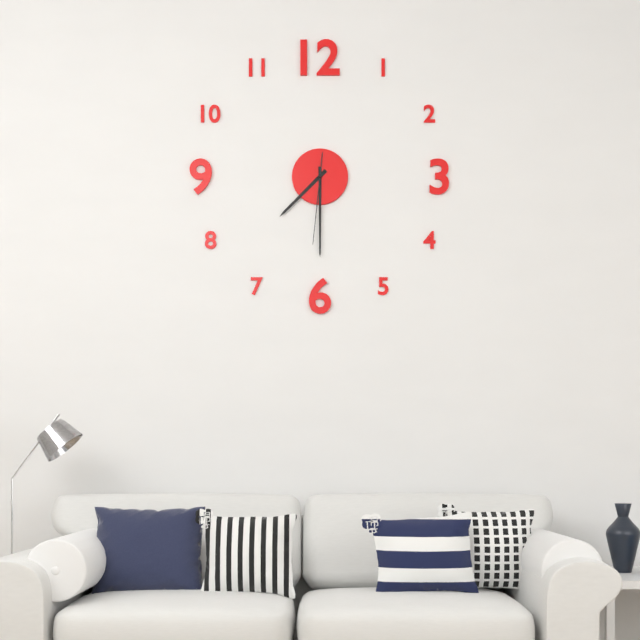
7:30:31
